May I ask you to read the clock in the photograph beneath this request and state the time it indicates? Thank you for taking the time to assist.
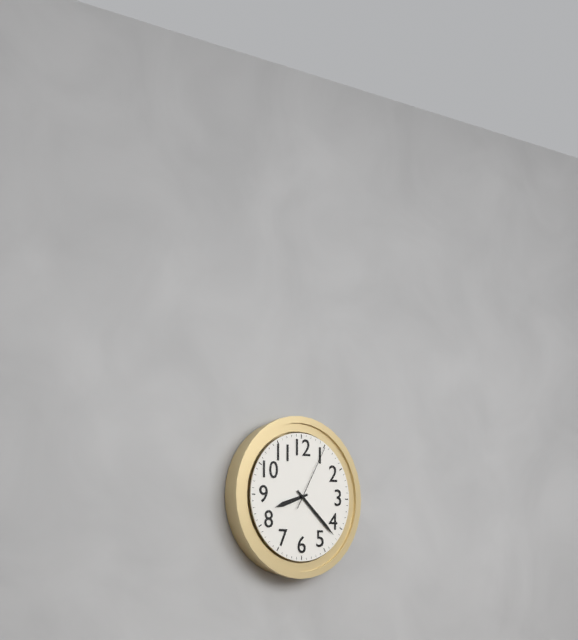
8:22:05
